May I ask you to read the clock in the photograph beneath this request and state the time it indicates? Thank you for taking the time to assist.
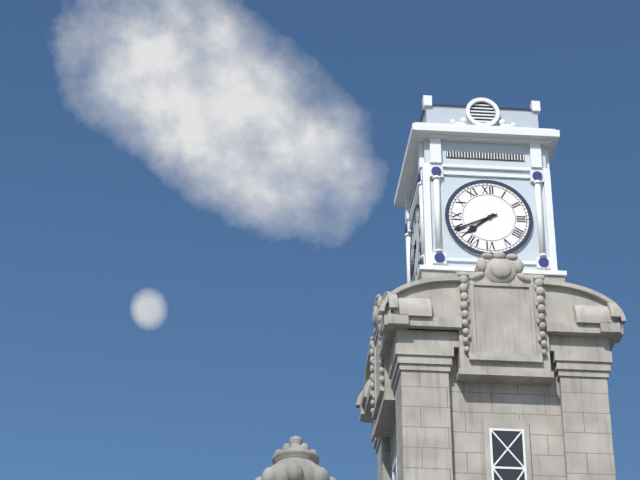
7:41
